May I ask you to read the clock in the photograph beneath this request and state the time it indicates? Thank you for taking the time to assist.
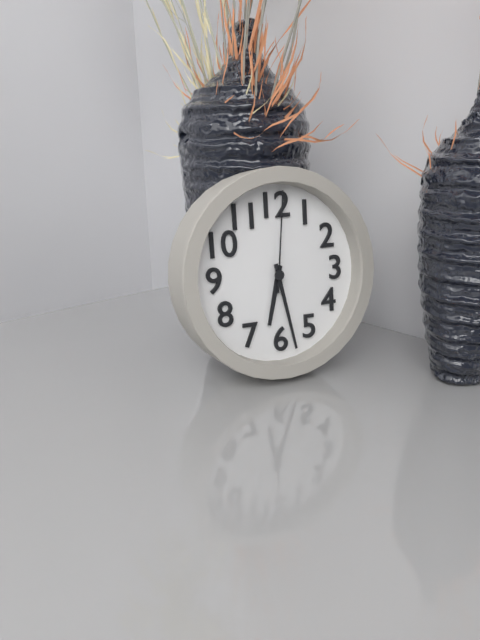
6:28:01
